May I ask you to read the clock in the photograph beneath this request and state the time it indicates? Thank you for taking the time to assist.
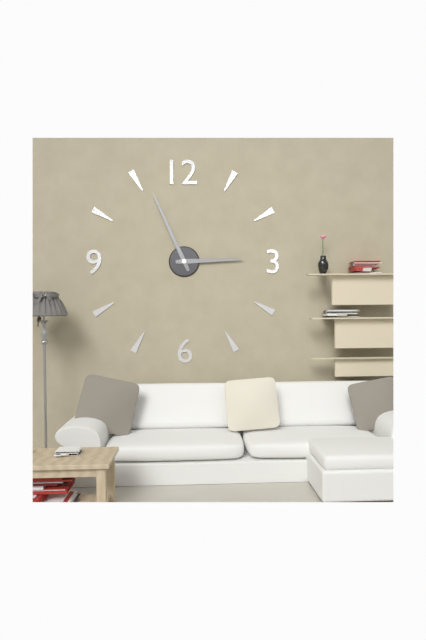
2:56
